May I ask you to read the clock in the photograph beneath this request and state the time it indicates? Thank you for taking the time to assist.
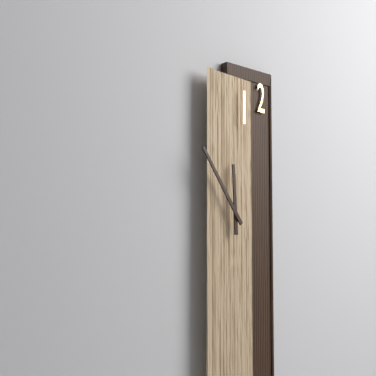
11:54
